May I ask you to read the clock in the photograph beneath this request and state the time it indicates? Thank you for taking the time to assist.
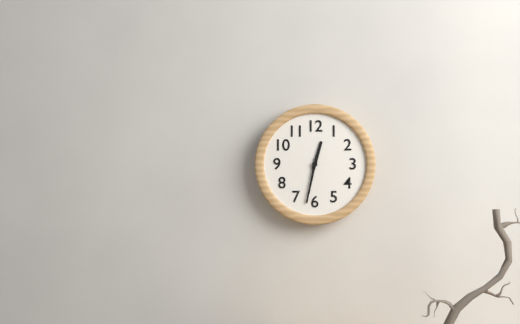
12:32
